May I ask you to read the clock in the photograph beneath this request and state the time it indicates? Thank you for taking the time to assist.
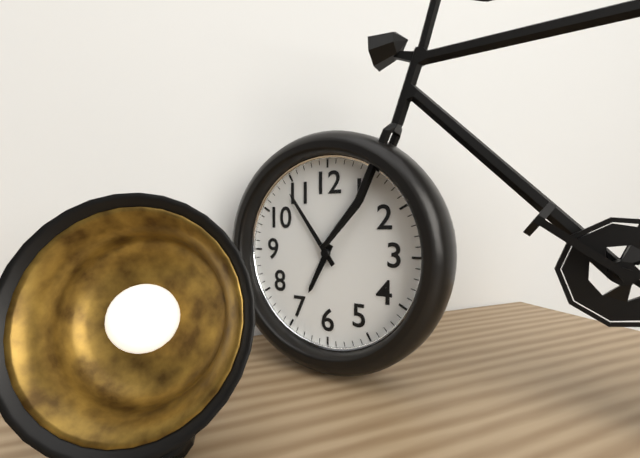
6:54
